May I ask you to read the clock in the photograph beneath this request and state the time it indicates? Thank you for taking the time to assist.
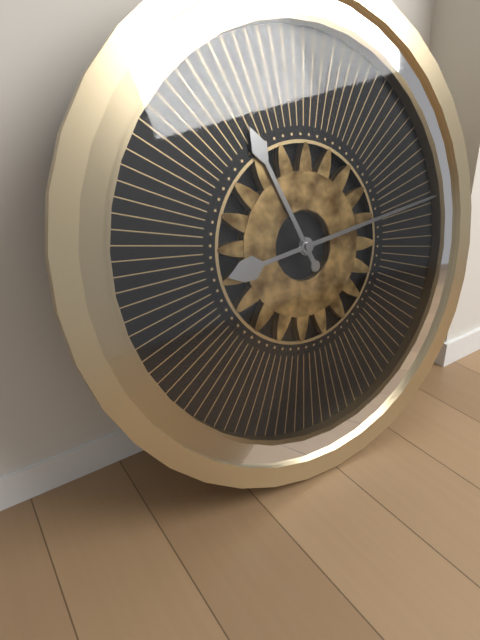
11:14
